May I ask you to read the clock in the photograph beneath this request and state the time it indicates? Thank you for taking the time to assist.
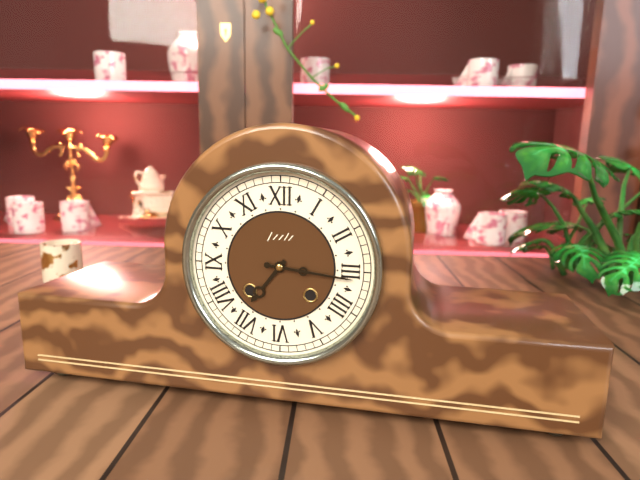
7:16
